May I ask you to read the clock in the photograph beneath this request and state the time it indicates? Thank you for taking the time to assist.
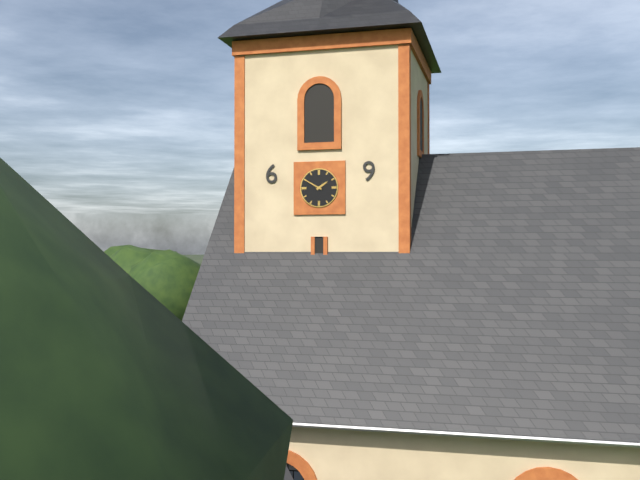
1:50
